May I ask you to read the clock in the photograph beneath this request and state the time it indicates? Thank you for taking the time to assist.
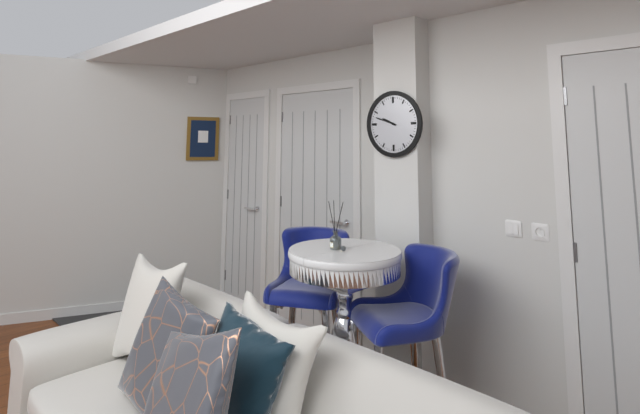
9:48
